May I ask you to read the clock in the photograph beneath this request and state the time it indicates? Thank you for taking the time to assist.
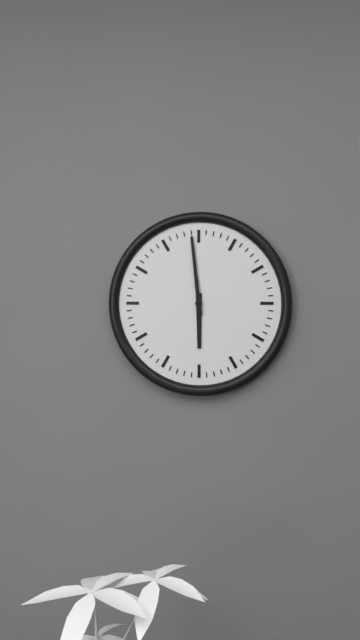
5:59
